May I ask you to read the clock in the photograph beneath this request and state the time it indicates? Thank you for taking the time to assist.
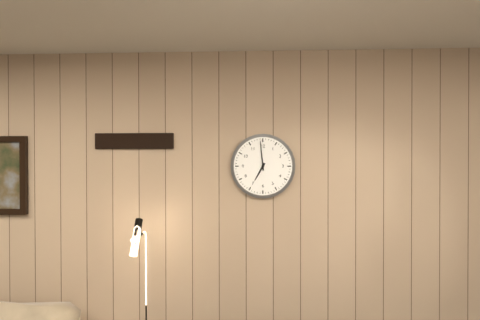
6:59
